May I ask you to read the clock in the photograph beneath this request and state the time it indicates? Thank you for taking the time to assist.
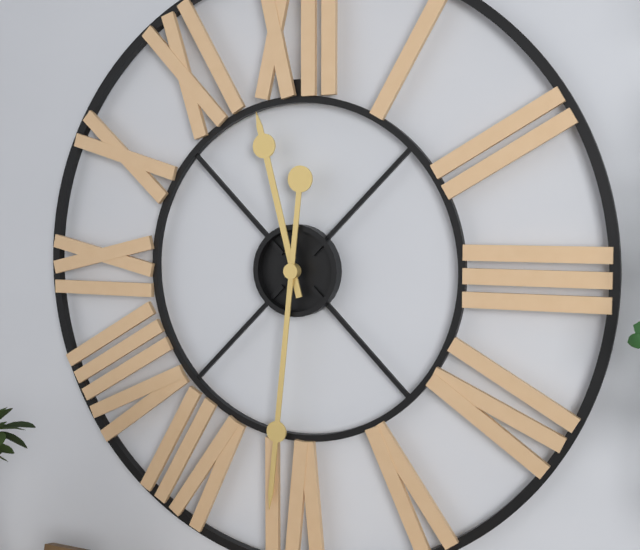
11:31
